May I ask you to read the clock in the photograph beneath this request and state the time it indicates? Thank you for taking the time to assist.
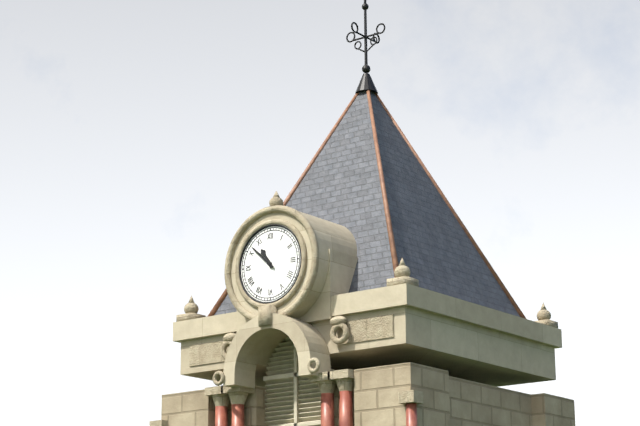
10:52
